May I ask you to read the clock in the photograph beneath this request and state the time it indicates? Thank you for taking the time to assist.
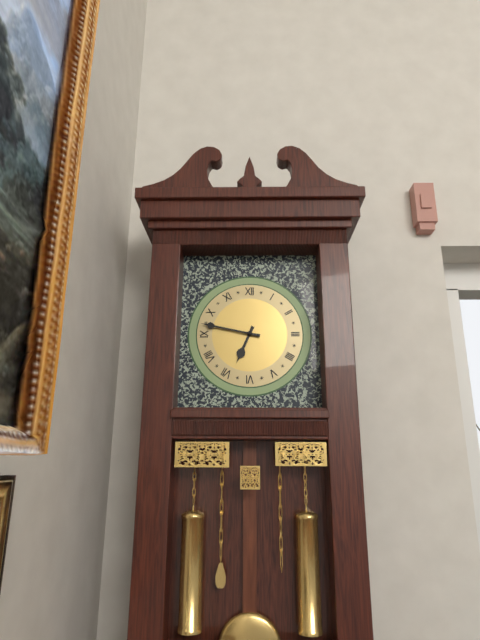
6:47
